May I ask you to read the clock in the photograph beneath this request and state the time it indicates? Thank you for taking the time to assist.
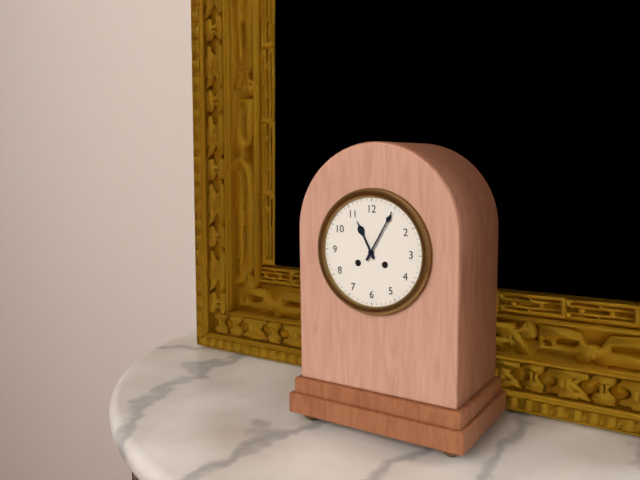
11:05
